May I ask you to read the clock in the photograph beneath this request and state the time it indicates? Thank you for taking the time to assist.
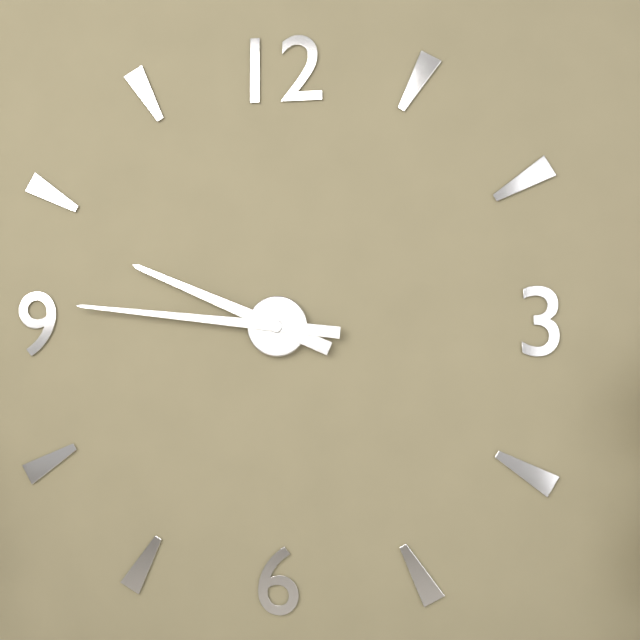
9:46
